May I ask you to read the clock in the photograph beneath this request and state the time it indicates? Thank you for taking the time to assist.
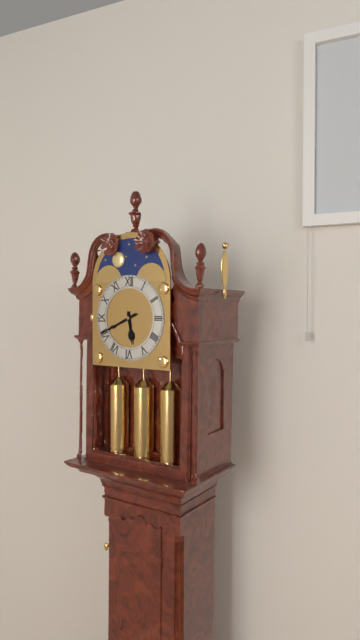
5:41
